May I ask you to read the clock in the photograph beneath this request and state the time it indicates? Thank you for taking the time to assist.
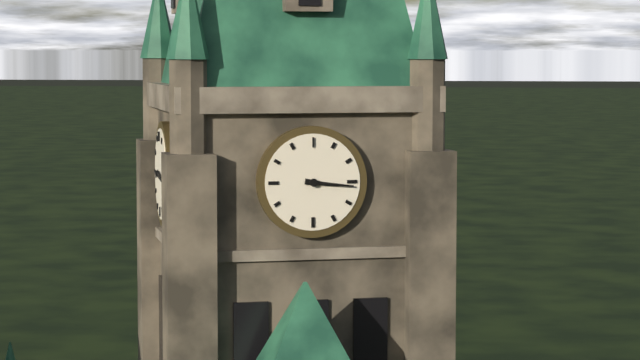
3:16
